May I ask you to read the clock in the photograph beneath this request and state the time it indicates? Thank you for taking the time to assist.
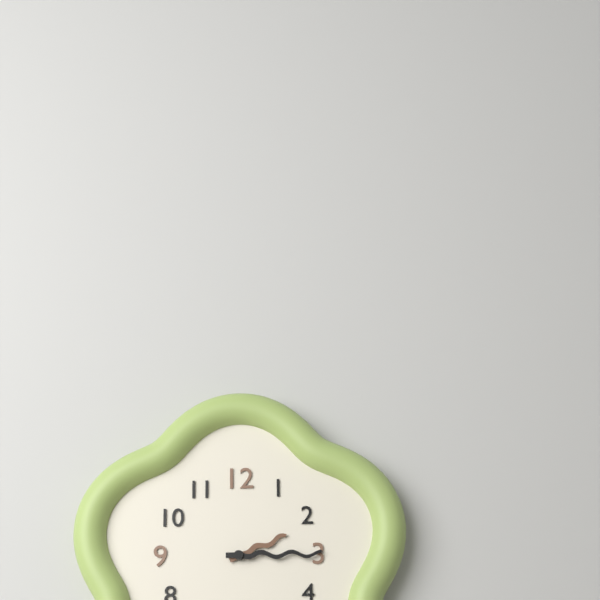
2:15
